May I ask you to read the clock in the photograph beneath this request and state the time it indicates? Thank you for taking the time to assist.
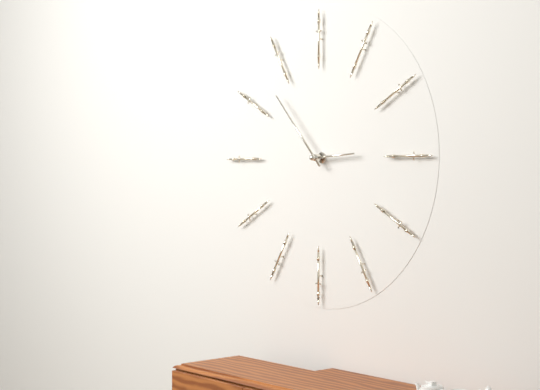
2:53
